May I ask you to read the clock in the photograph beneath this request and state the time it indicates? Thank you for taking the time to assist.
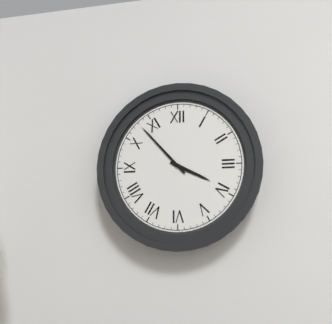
3:53
